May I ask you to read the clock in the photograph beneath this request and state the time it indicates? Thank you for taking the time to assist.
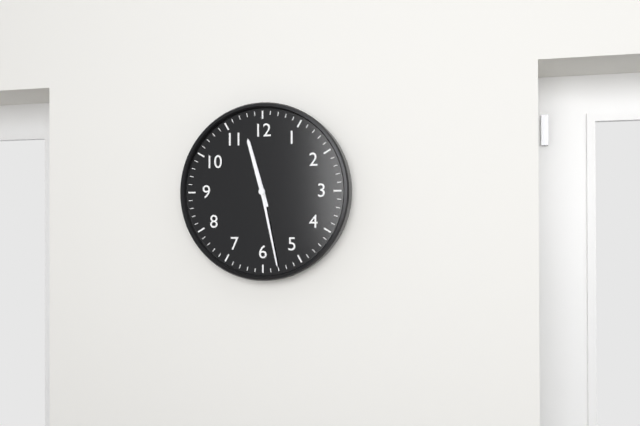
11:28
